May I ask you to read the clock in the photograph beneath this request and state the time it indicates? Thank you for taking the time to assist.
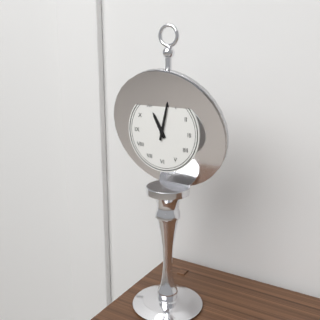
11:02
